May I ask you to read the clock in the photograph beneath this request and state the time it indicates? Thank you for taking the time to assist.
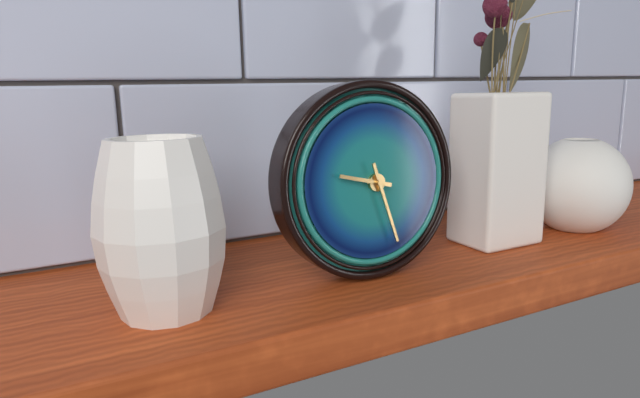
9:27
